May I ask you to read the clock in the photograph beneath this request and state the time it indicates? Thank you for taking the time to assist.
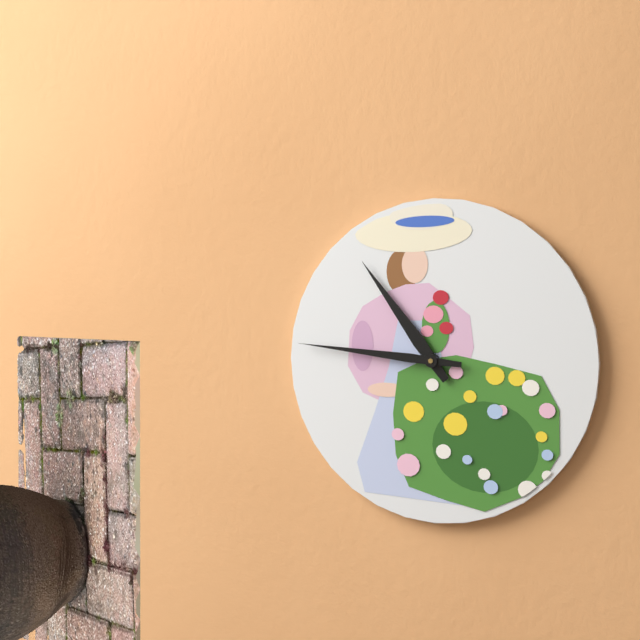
10:46
